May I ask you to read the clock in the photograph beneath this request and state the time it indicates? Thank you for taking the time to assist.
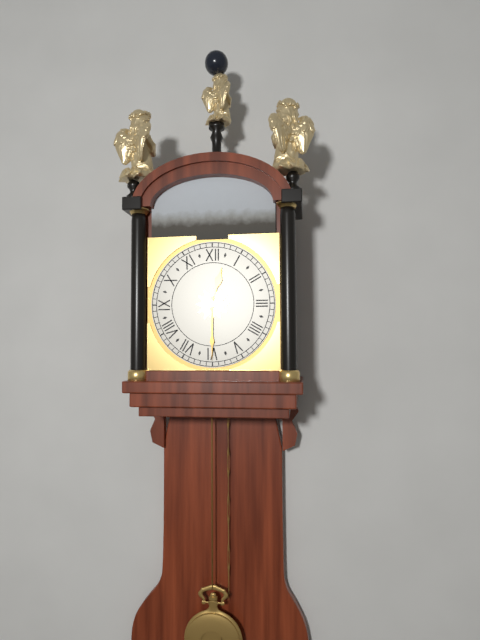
12:30
